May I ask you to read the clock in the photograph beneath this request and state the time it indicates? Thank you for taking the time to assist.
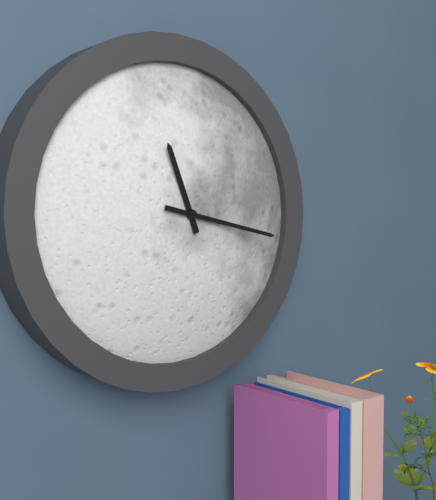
11:17
